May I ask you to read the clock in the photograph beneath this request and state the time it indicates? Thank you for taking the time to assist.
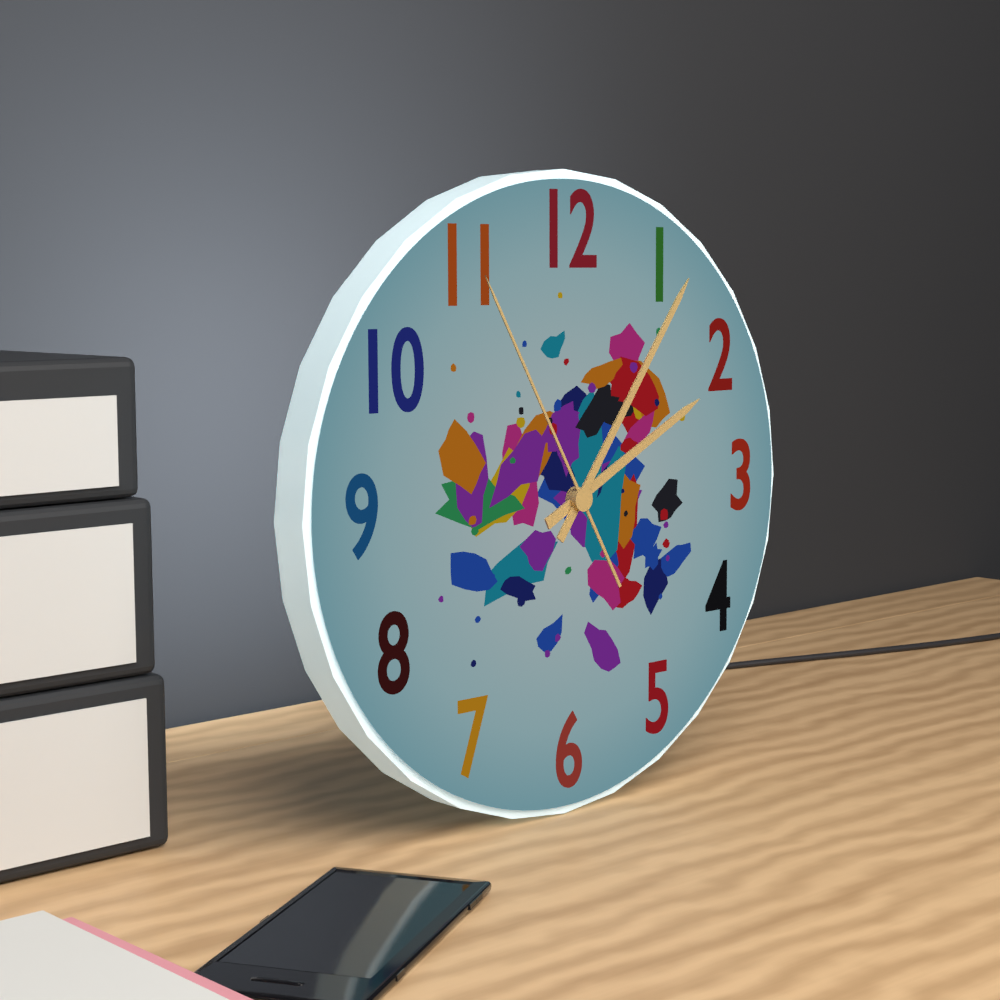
2:06:55
